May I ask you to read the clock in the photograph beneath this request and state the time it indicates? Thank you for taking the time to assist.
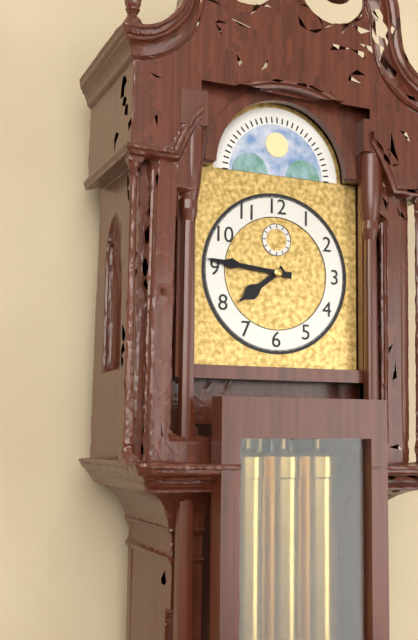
7:46
